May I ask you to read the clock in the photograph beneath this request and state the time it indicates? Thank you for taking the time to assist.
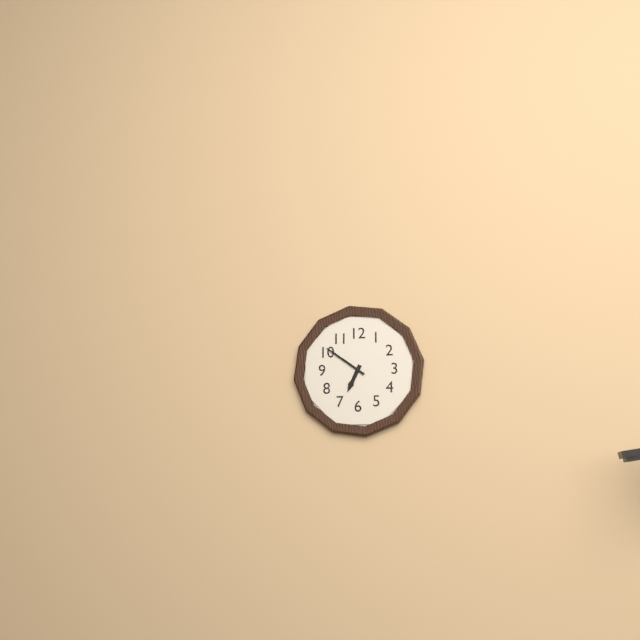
6:51
